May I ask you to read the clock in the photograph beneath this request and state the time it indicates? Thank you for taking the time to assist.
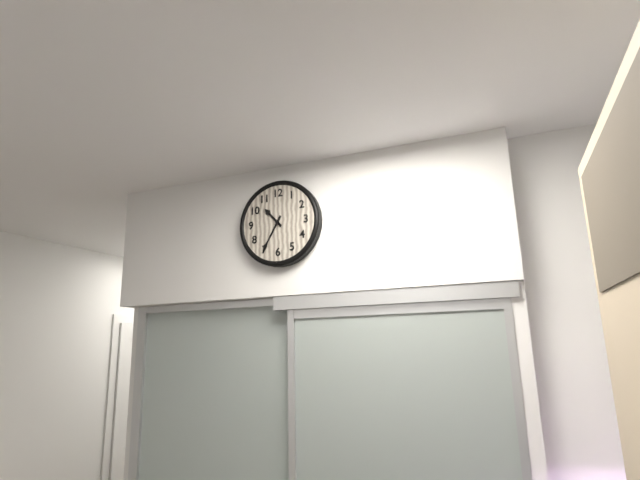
10:35
